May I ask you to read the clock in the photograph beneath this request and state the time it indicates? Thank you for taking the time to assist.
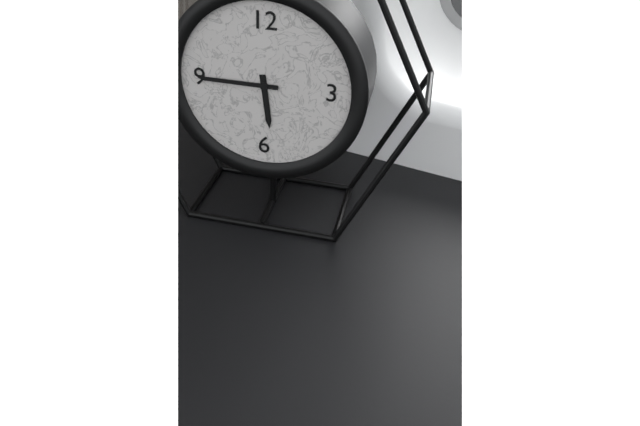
5:45
